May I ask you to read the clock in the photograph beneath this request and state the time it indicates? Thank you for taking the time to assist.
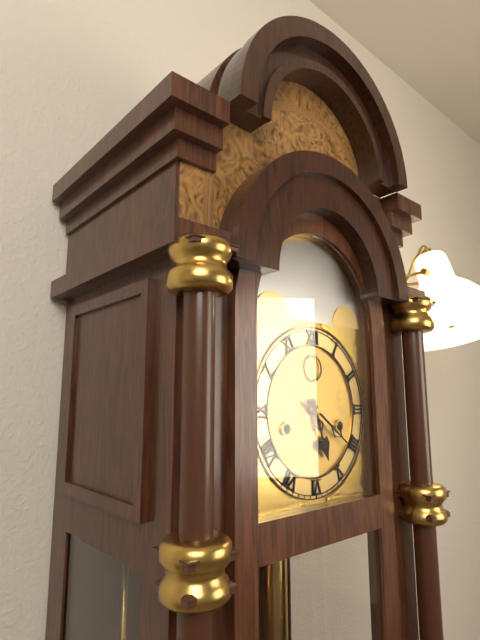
5:21
